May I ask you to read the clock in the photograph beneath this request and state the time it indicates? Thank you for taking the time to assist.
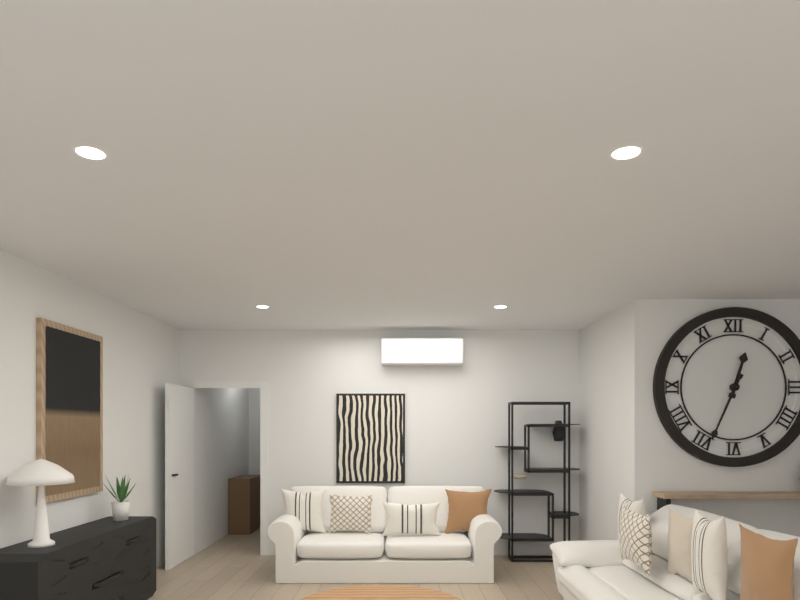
12:34
